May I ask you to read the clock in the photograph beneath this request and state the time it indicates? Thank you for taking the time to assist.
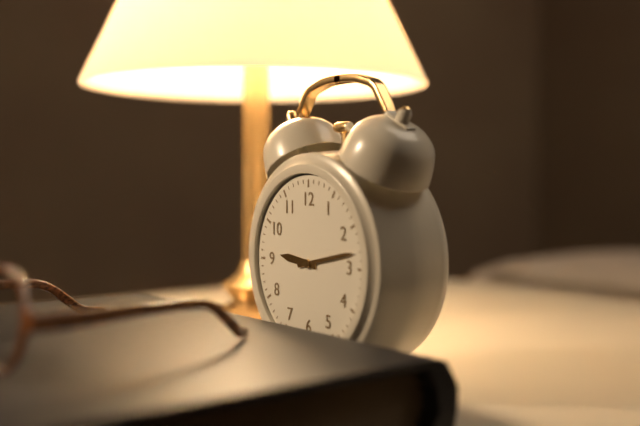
9:13
